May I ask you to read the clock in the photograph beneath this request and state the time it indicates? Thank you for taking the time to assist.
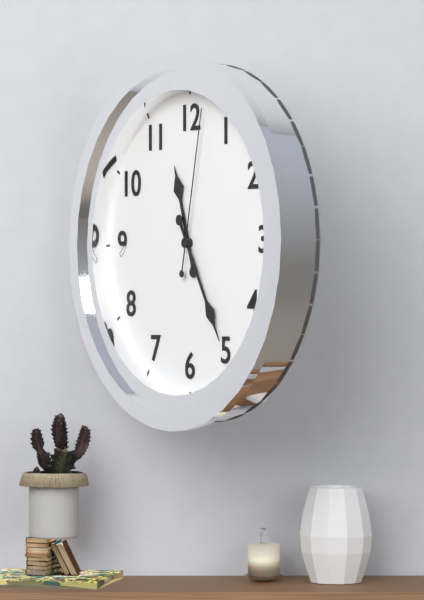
11:25:02
